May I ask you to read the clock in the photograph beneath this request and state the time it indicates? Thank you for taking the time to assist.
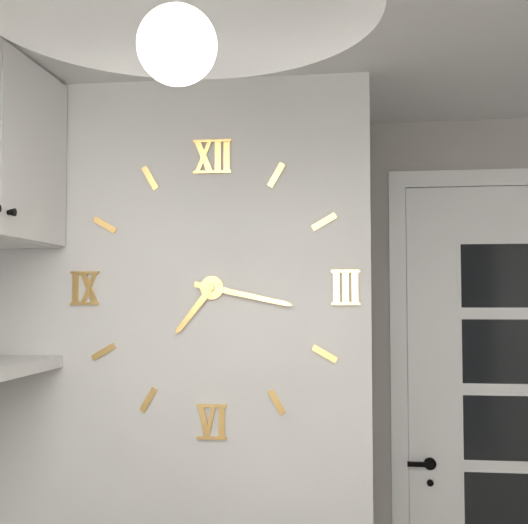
7:17
